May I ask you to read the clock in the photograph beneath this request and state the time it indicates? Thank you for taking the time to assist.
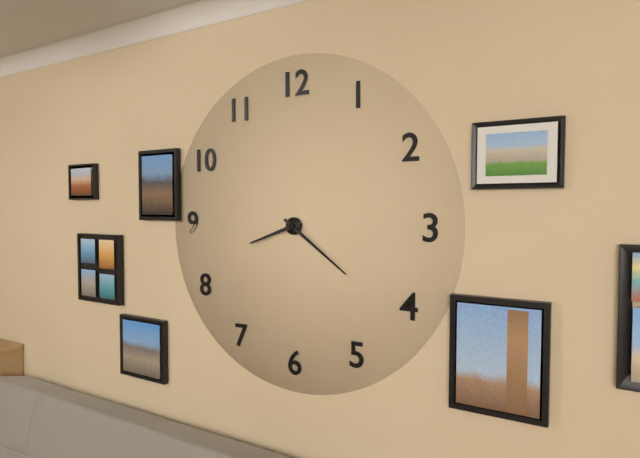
8:21
